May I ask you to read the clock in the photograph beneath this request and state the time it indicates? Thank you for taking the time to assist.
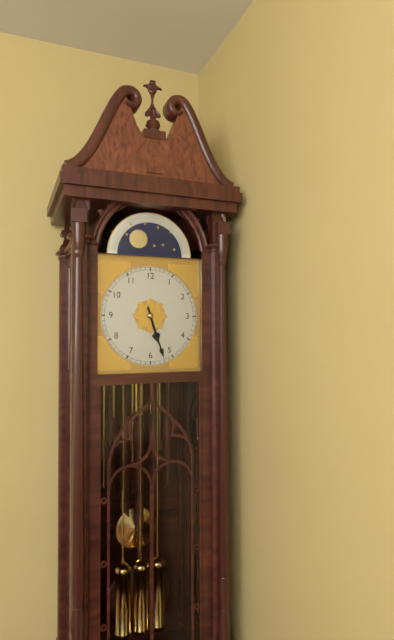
5:27
